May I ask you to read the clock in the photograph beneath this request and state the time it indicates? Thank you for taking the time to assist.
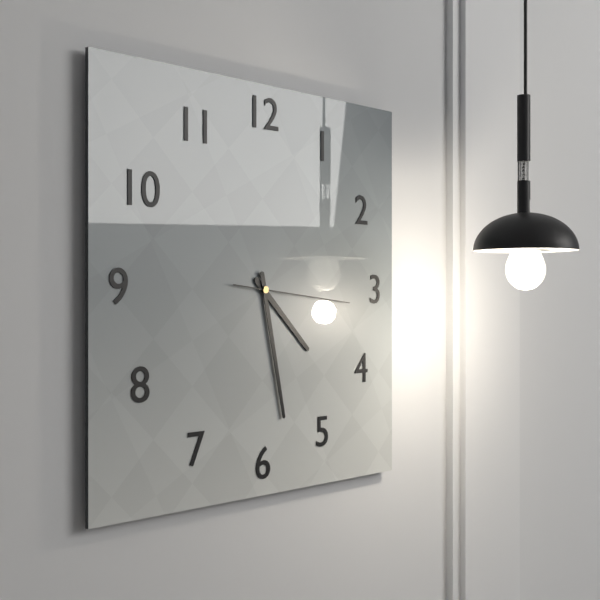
4:28:16
